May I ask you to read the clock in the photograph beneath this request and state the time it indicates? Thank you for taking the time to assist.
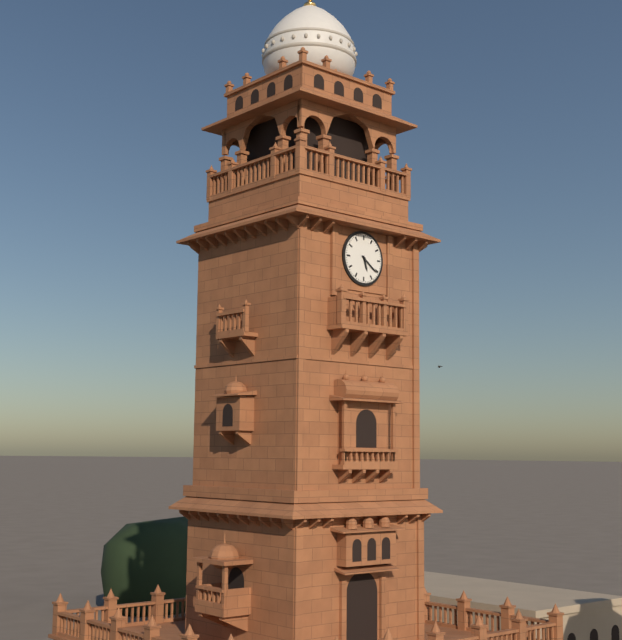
5:21
